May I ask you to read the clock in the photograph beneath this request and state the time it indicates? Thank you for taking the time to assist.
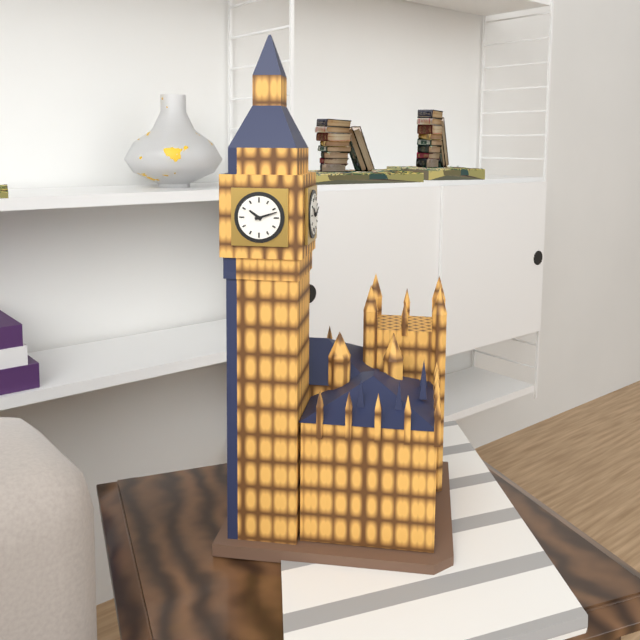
10:12
